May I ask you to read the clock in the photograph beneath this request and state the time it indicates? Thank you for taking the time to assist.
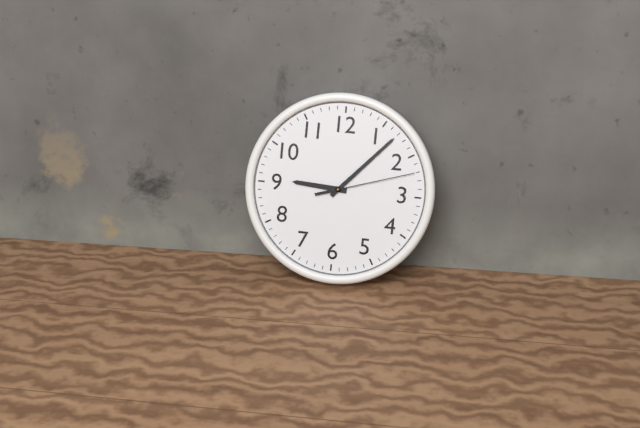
9:07:12
